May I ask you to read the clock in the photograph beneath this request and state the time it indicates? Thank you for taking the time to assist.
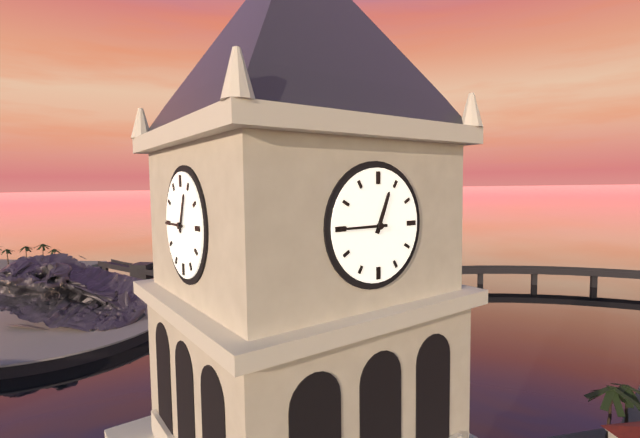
12:45
